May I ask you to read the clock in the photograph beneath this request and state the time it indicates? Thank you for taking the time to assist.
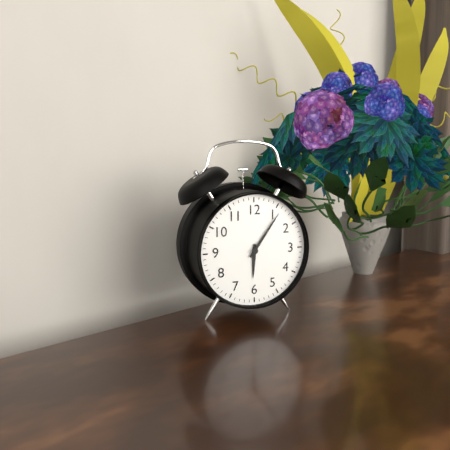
6:06
